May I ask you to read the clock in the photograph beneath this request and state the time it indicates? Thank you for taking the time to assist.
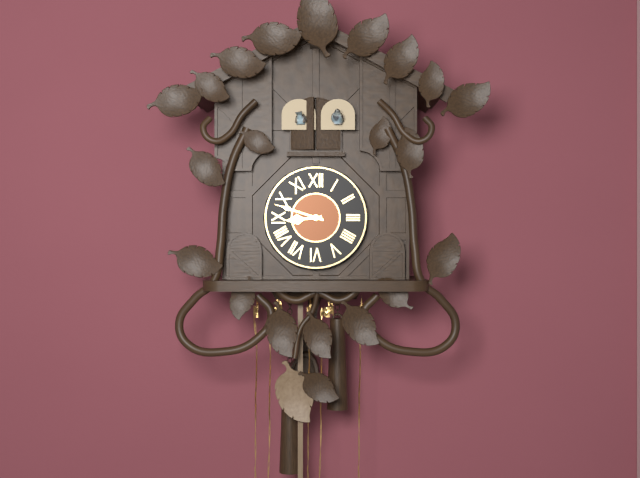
8:48
